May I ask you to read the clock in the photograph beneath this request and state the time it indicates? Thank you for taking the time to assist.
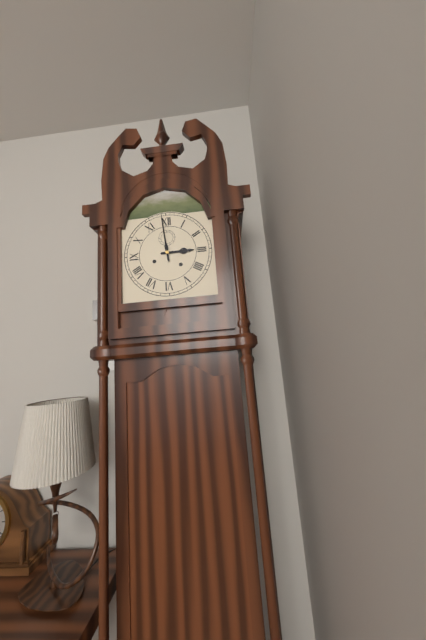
2:59
